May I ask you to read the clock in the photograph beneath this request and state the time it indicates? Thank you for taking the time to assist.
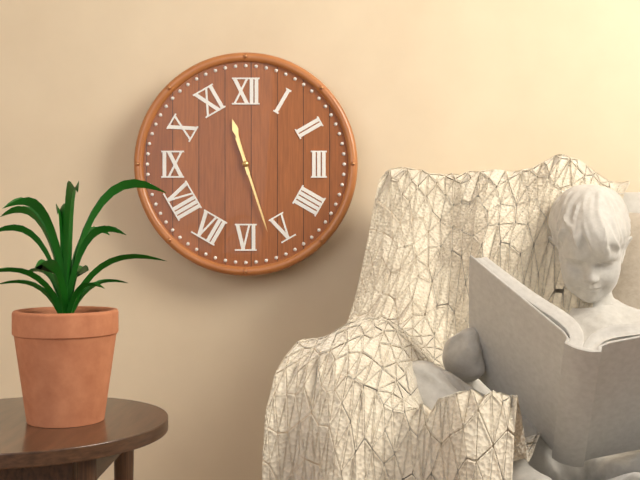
11:27
